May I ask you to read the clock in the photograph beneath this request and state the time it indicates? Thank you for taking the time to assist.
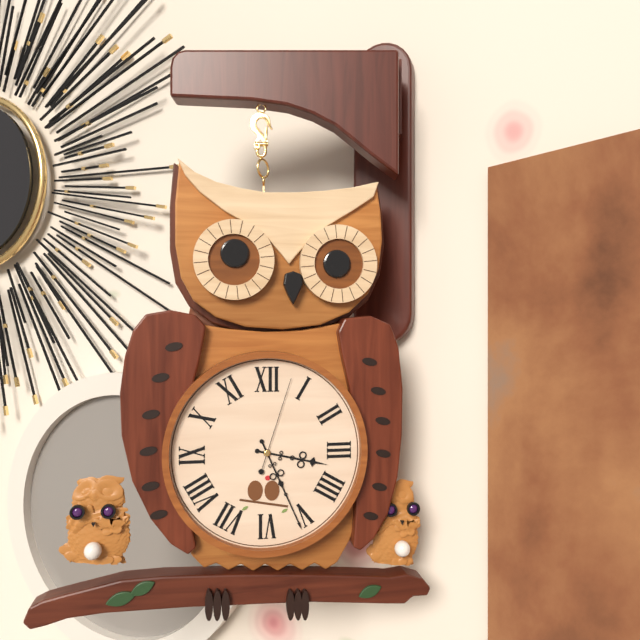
3:26:03
